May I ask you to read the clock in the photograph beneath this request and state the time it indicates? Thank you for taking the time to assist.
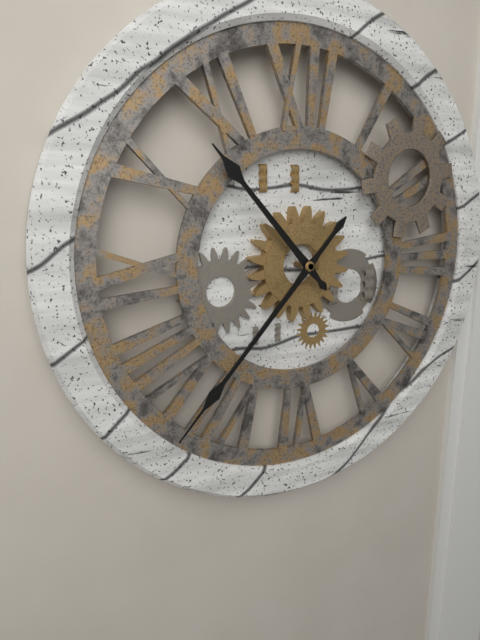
10:37
